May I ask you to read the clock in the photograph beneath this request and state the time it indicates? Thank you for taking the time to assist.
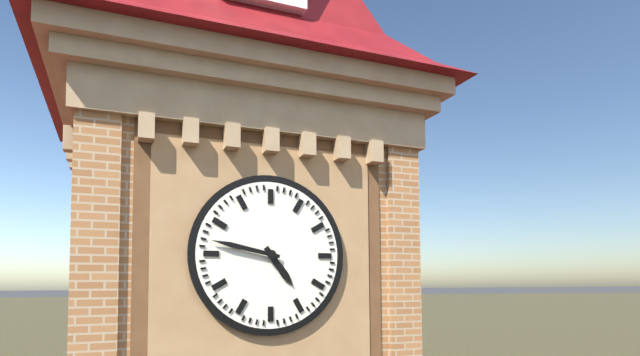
4:47
